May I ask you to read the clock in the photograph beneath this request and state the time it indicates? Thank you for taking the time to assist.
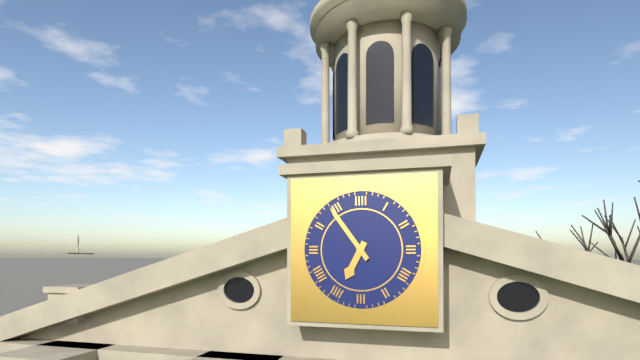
6:54
